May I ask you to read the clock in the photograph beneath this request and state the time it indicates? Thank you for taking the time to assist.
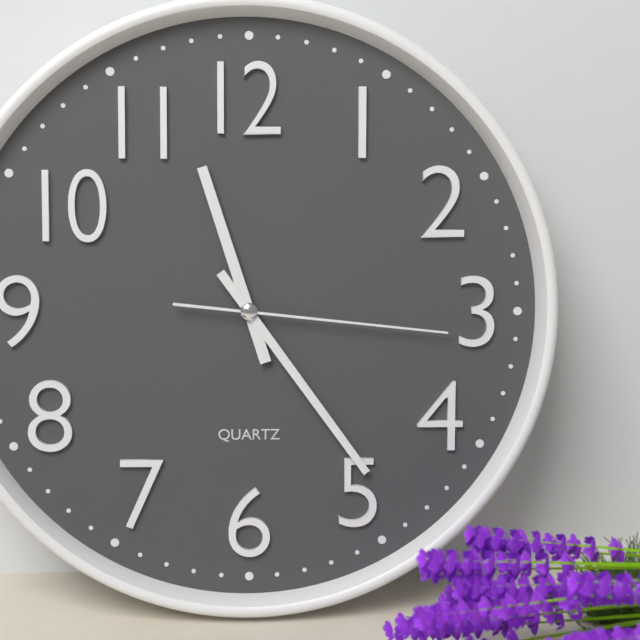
11:24:16
